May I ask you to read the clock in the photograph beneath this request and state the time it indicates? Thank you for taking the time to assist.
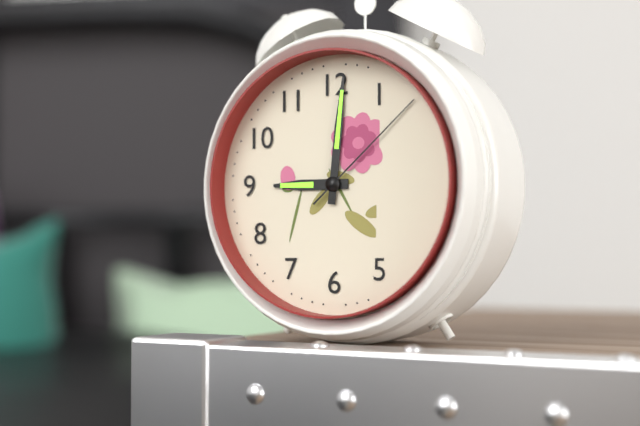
9:01:08
